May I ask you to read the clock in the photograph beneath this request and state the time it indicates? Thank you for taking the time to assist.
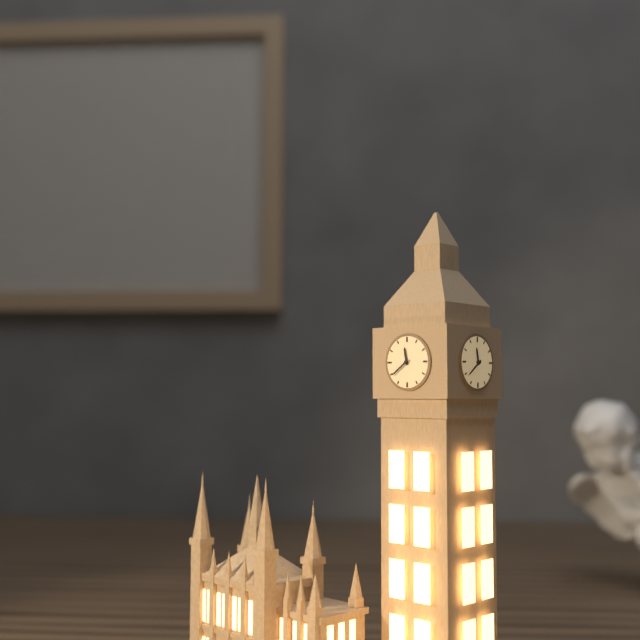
11:39
